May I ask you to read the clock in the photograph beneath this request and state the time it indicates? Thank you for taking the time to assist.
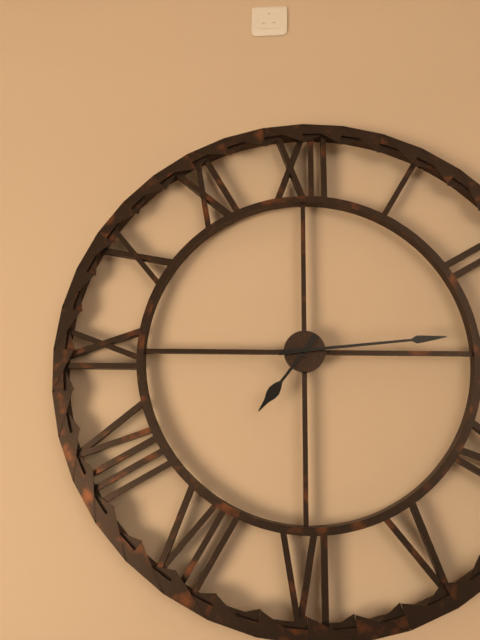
7:14
